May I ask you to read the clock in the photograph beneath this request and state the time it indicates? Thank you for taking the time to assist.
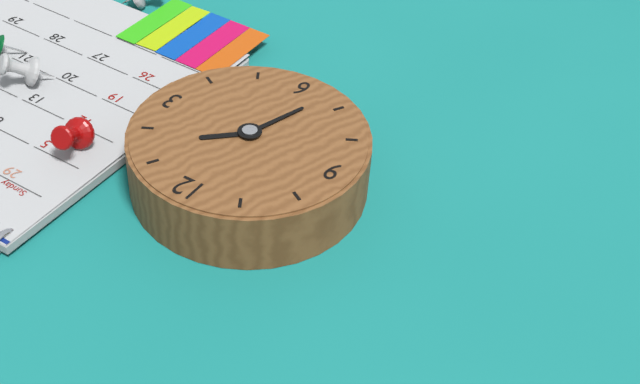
1:33
